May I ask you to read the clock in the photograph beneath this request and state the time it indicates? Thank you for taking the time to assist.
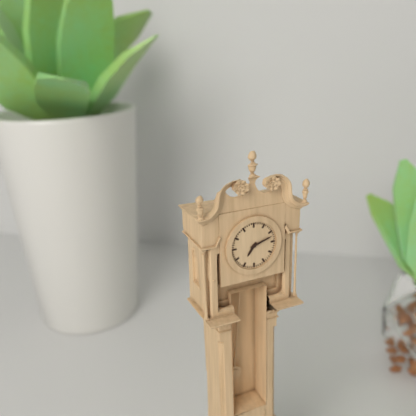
7:12
